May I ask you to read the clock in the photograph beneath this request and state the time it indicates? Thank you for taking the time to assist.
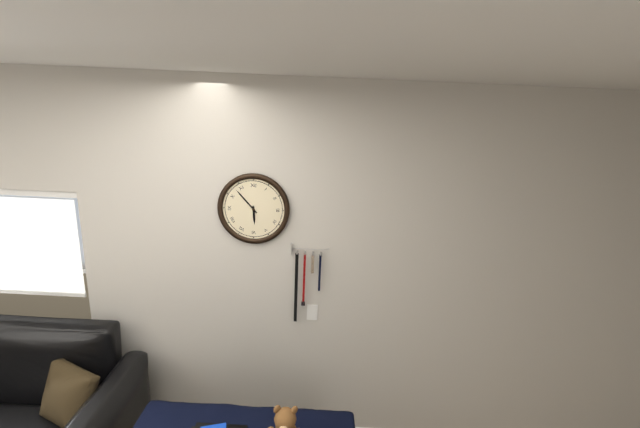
5:53
